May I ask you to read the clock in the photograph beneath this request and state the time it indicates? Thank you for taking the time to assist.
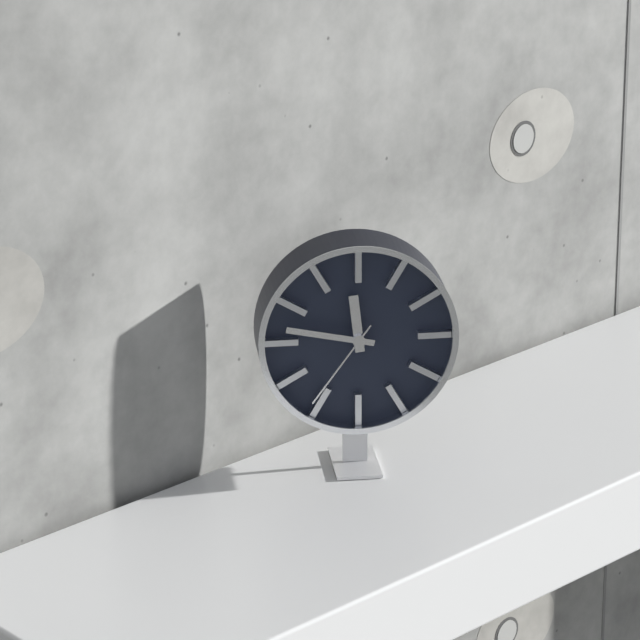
11:47:36
